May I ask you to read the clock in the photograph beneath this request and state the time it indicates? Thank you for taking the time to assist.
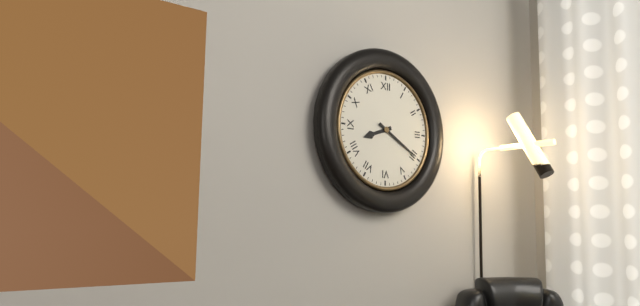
8:20
